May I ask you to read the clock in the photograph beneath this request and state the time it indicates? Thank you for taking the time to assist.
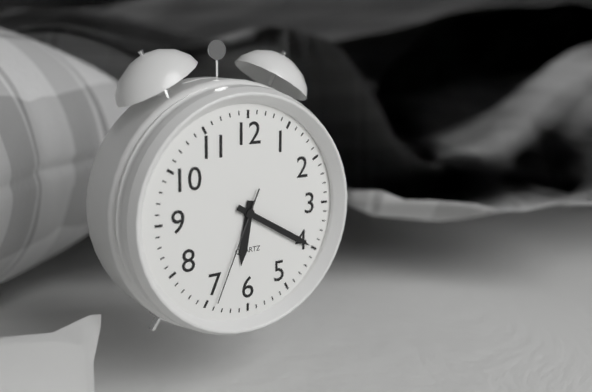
6:20:34
